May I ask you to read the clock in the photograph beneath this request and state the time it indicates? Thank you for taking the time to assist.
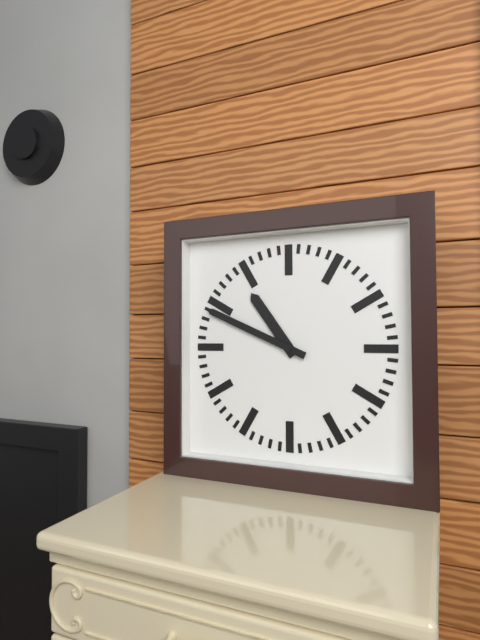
10:49
